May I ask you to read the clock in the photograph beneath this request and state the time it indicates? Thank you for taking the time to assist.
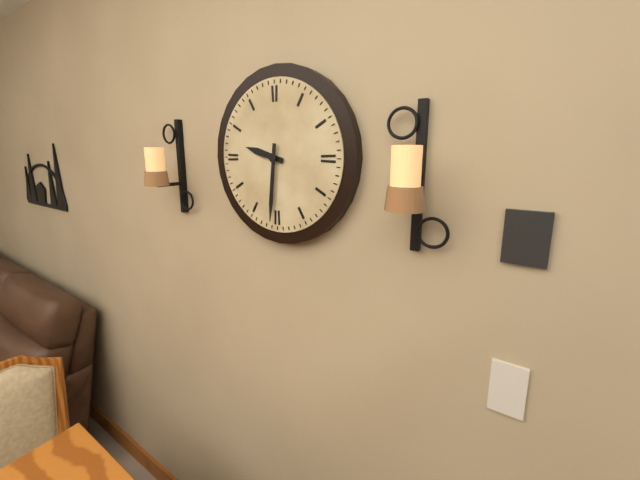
9:31
